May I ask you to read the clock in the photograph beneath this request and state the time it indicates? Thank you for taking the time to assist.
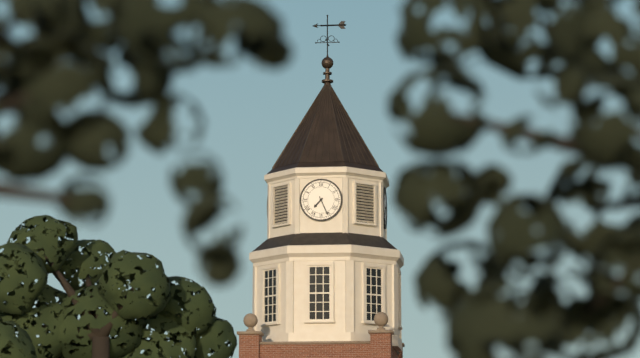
7:26
